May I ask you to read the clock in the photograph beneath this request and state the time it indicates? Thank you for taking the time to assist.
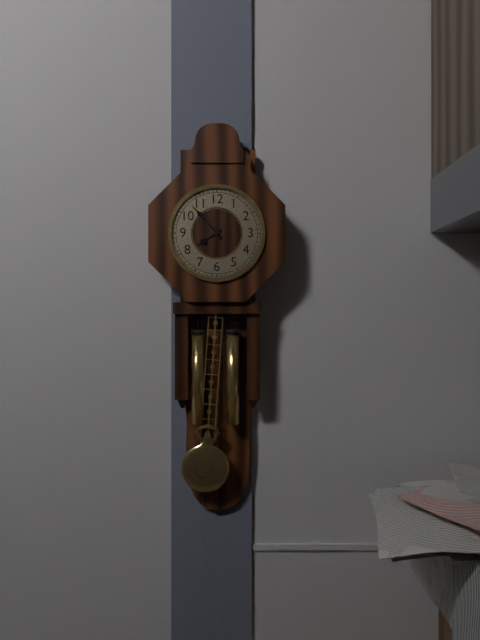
7:53
